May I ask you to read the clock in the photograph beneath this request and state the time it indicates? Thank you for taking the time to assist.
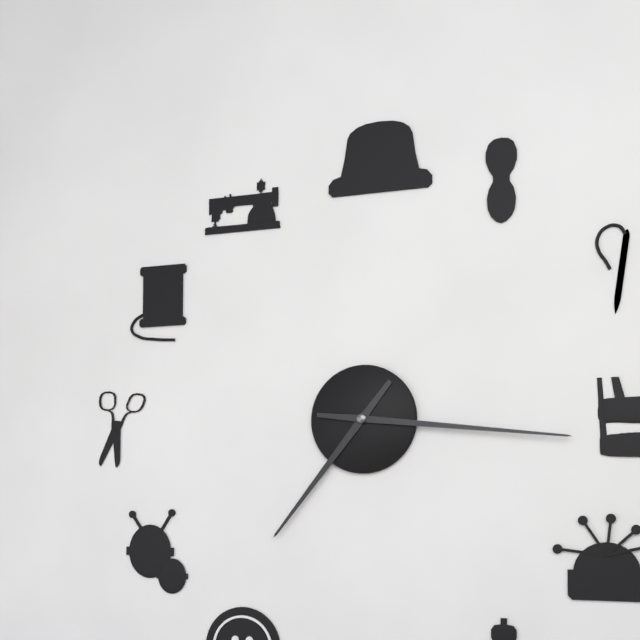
7:16
